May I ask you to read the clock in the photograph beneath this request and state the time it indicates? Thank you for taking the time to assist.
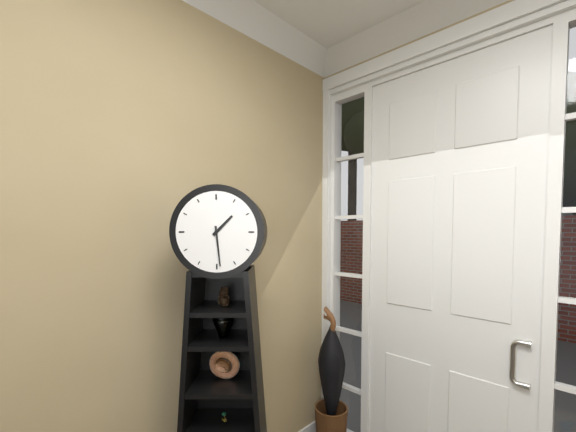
1:29
